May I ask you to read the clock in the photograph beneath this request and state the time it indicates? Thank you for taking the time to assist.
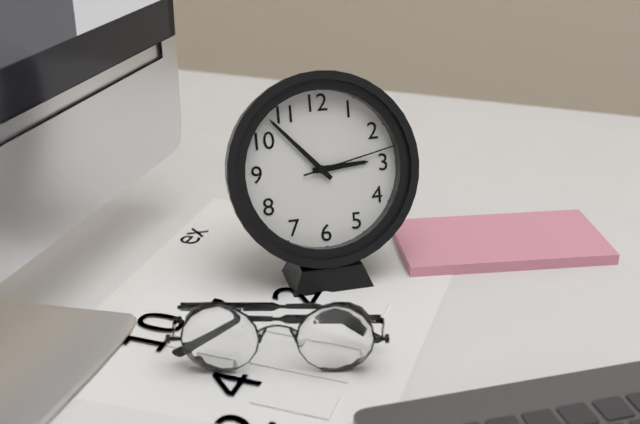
2:53:13
